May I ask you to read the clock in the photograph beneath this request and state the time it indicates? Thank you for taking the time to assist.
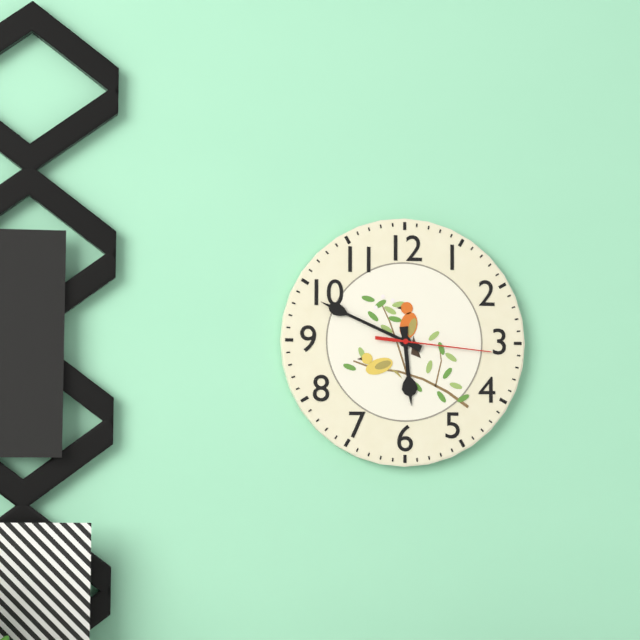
5:49:16
